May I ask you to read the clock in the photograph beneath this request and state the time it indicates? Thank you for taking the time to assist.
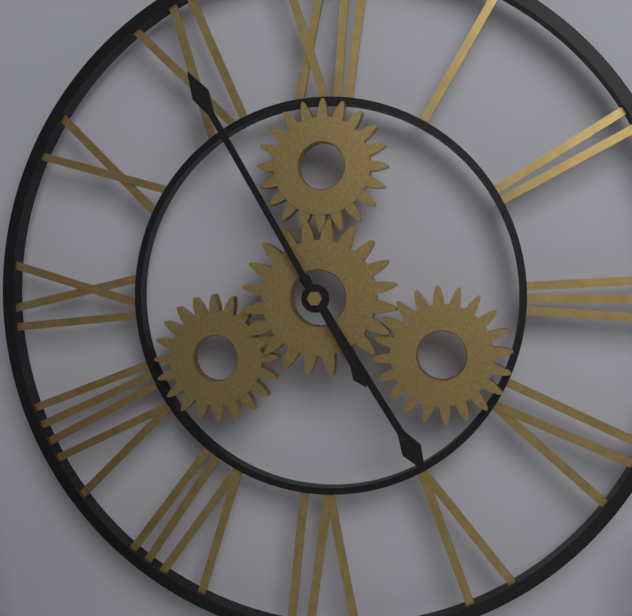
4:55
